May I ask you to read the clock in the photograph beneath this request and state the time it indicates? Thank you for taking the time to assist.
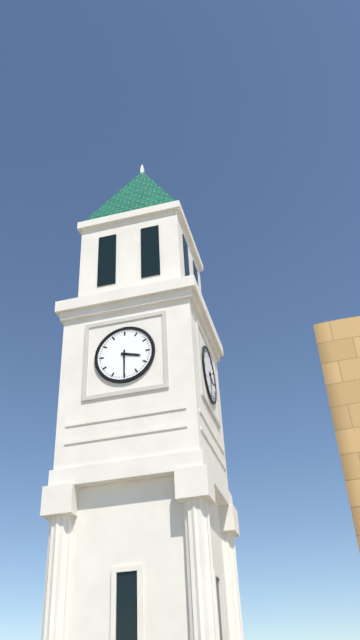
3:30
